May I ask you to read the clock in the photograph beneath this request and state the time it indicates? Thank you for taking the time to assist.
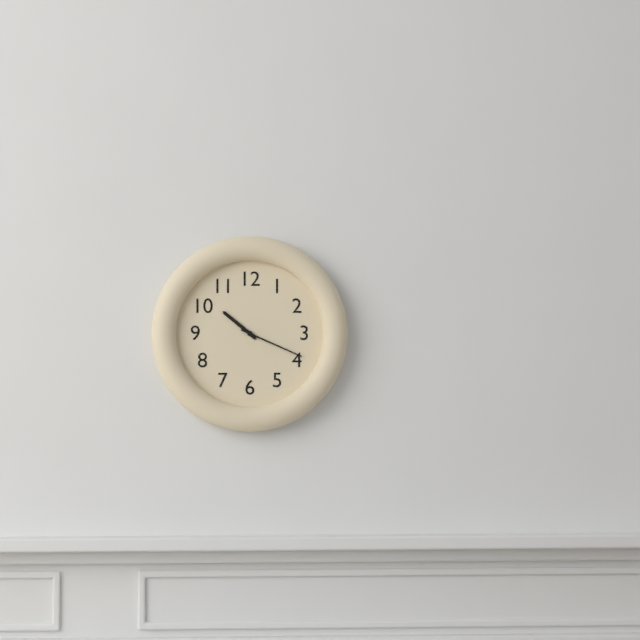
10:19
